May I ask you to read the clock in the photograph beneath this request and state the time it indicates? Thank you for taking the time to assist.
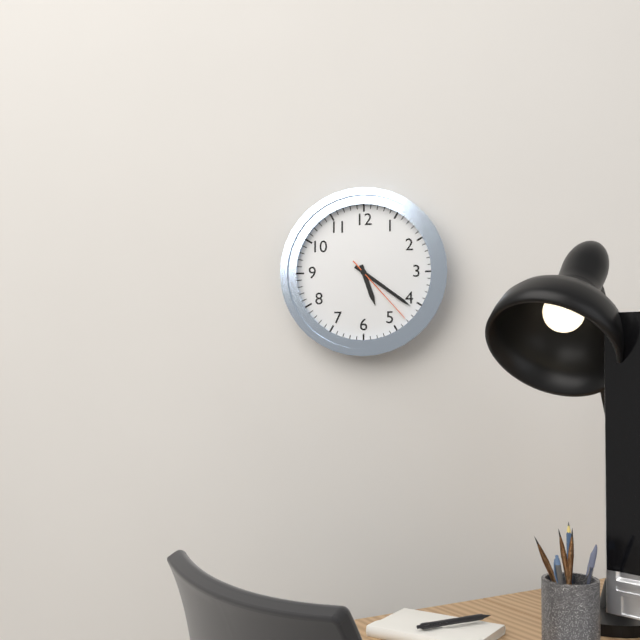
5:21:23
